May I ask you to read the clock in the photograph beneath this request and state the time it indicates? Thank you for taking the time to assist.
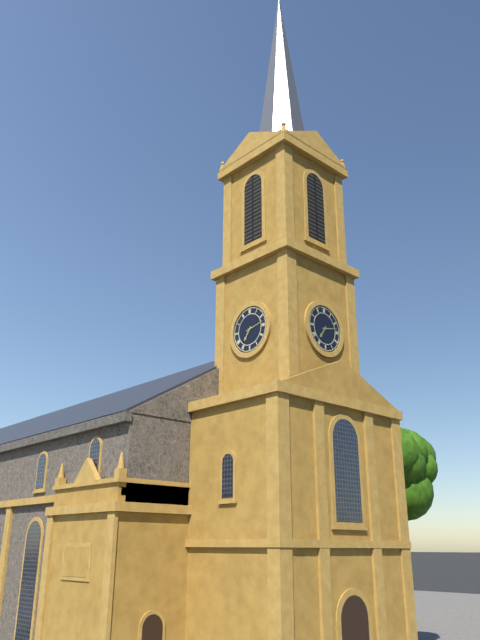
7:13
